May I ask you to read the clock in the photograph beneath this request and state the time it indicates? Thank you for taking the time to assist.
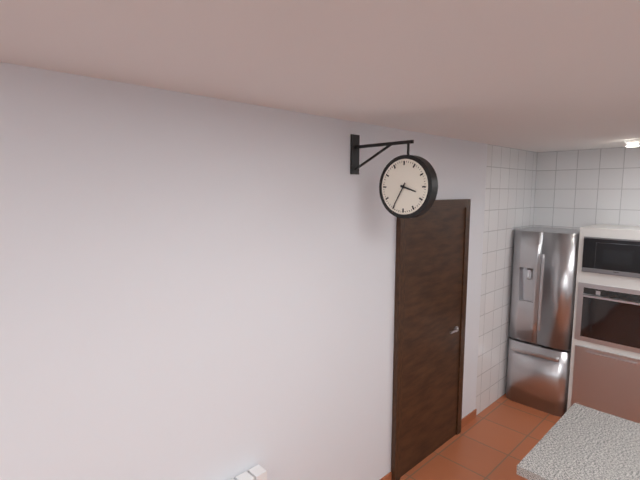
3:35
